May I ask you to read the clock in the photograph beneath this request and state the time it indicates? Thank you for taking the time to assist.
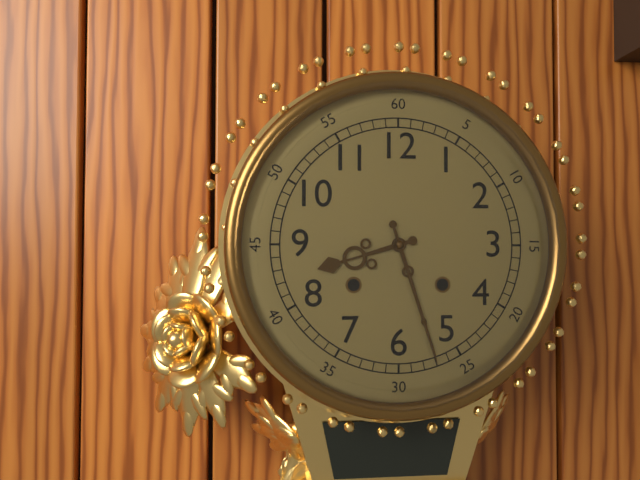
8:27
